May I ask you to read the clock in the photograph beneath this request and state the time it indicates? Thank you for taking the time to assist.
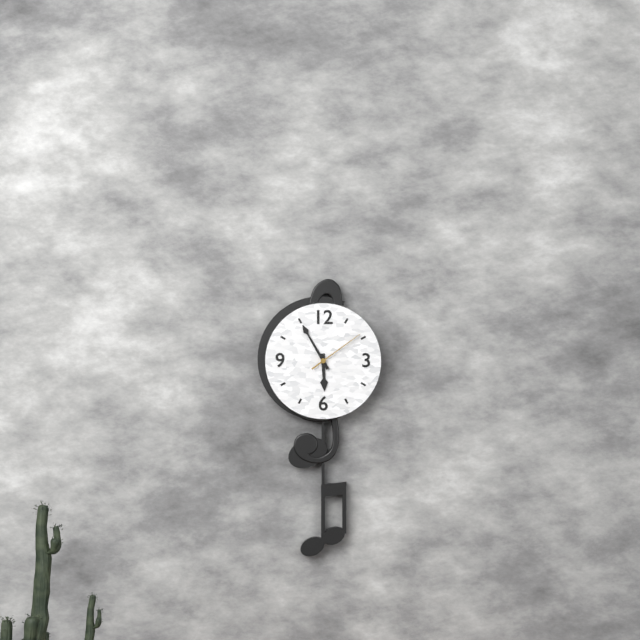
5:55:09
